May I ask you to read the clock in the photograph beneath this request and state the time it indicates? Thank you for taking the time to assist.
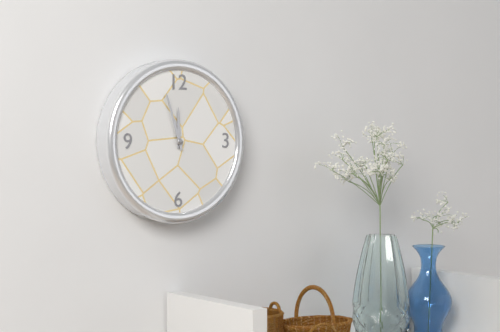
11:57
